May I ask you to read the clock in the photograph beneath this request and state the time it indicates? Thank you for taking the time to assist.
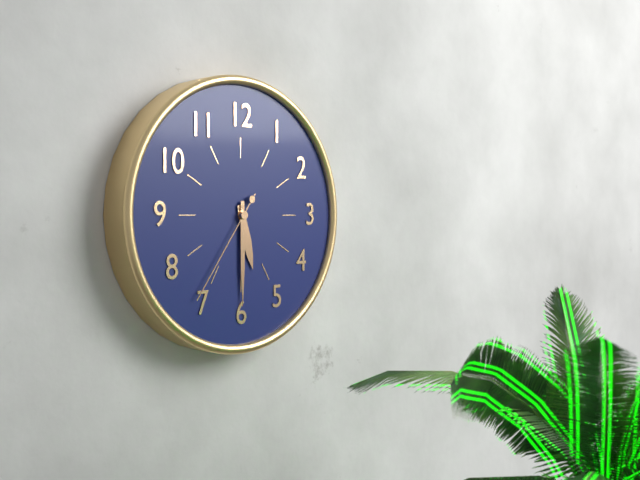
5:30:36
